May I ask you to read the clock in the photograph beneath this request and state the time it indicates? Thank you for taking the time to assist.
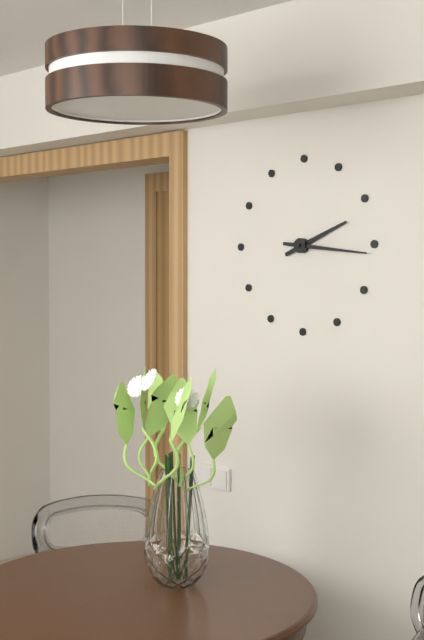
2:16
